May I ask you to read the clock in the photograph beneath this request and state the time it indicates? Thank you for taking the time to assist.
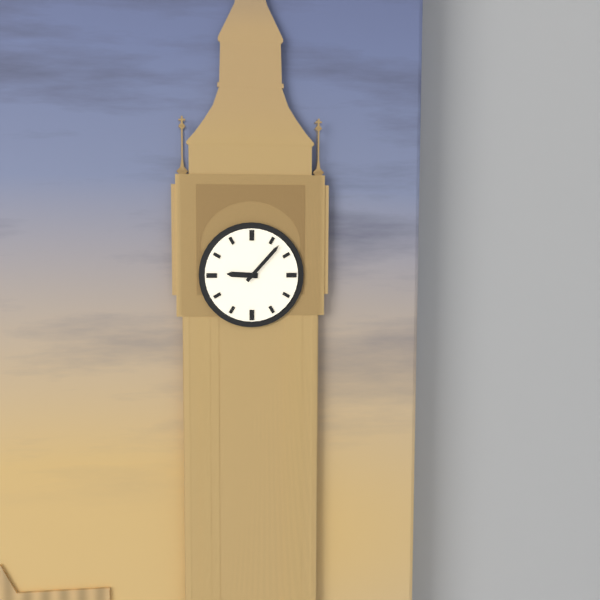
9:07
